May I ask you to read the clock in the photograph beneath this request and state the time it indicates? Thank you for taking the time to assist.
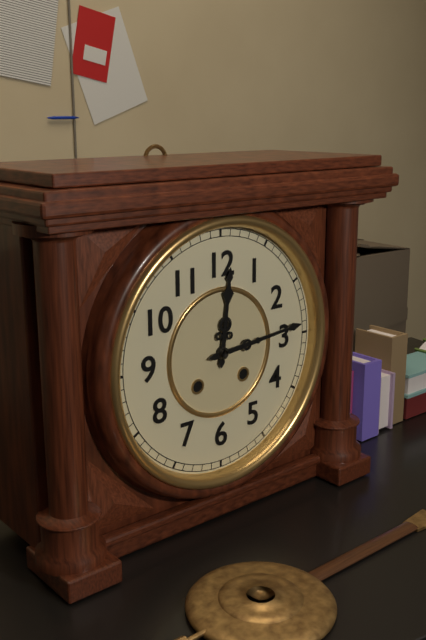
12:14
